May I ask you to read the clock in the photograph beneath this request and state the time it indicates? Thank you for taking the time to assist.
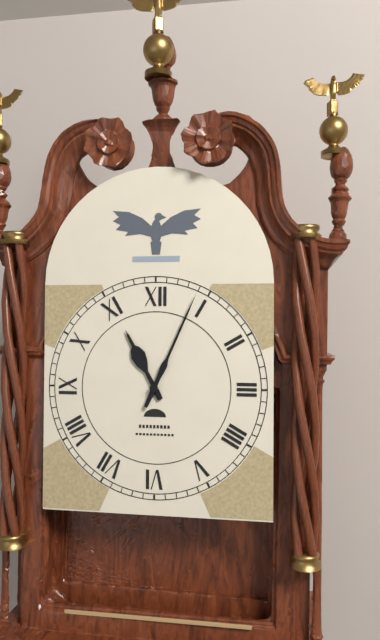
11:04
